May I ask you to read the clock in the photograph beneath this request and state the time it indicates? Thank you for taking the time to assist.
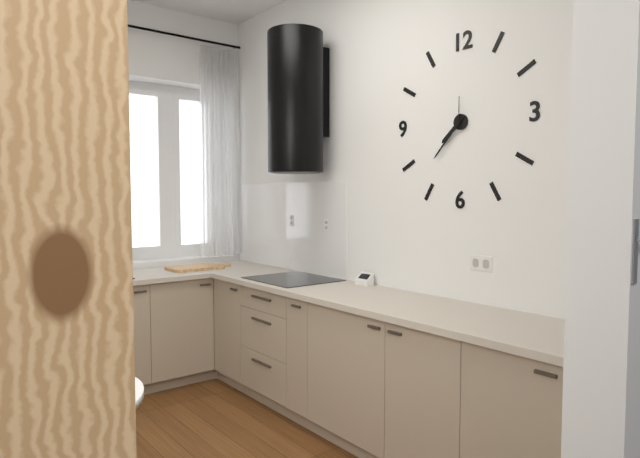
7:37
